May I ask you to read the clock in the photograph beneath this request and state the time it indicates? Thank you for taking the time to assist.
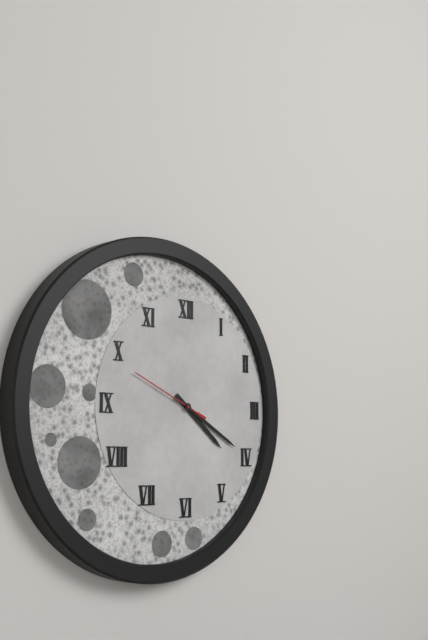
4:20:49
